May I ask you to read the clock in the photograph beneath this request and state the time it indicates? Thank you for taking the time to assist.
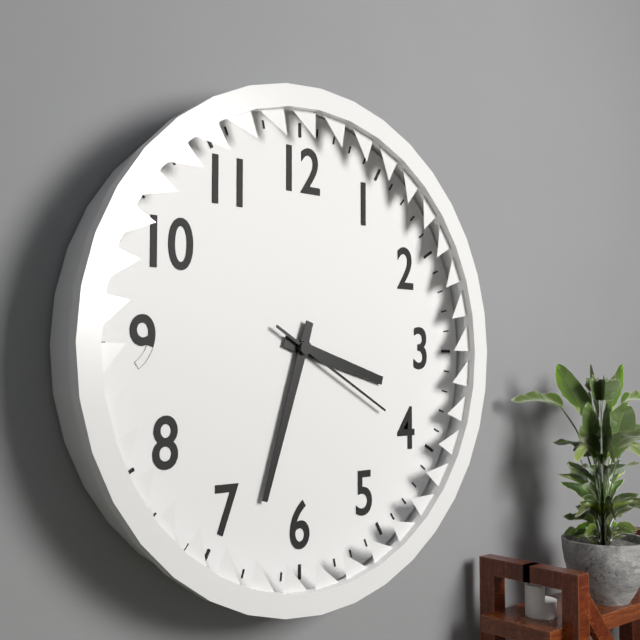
3:33:20
